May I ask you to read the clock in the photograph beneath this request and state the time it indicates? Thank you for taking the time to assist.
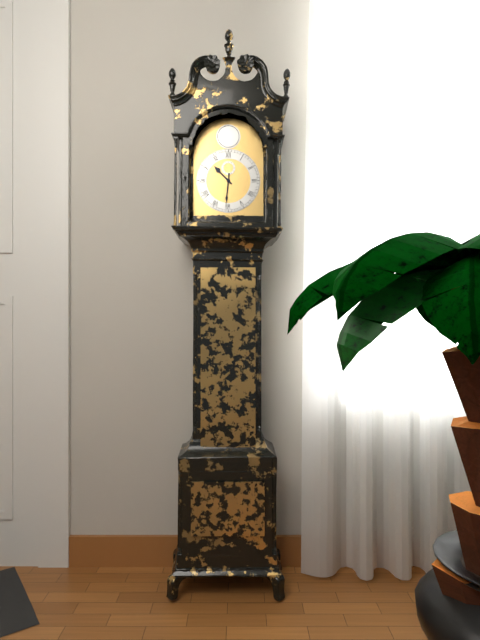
10:31
